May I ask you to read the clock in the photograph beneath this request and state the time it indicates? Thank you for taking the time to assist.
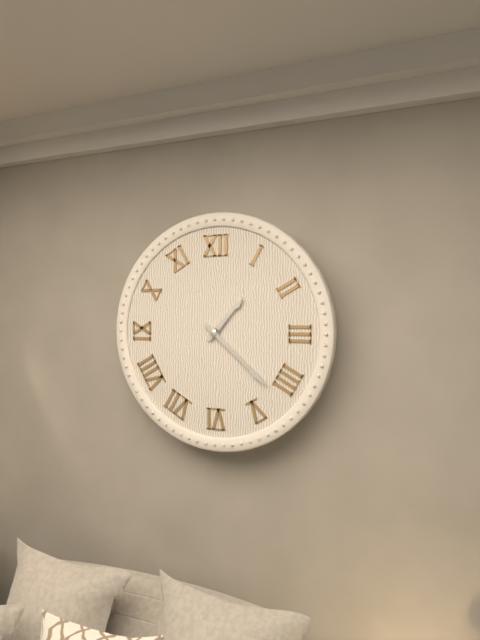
1:22
